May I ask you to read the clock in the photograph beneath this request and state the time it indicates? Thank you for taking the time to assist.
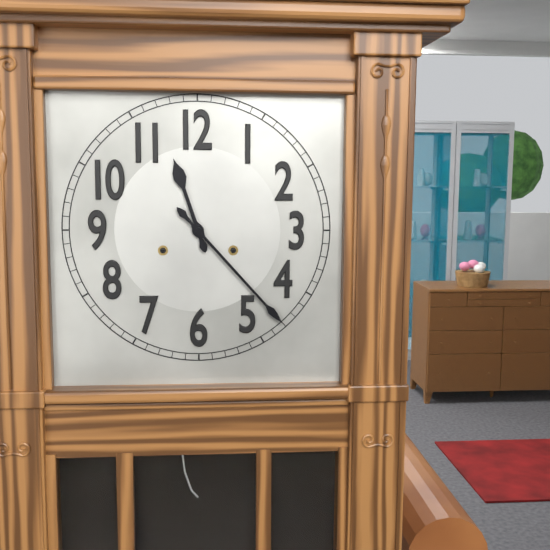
11:23
